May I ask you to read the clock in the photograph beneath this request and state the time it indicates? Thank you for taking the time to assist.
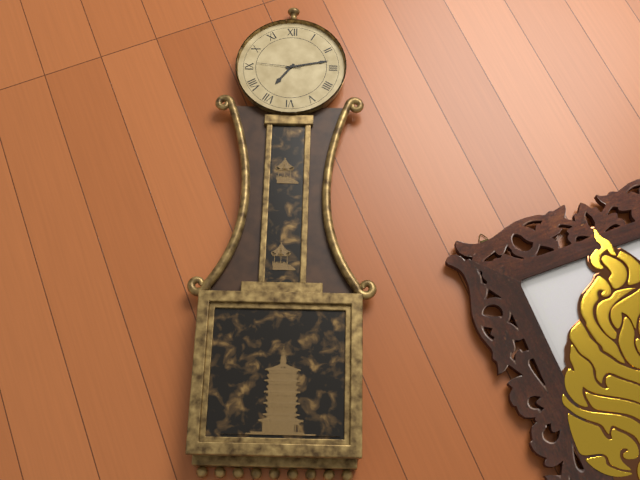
7:13
